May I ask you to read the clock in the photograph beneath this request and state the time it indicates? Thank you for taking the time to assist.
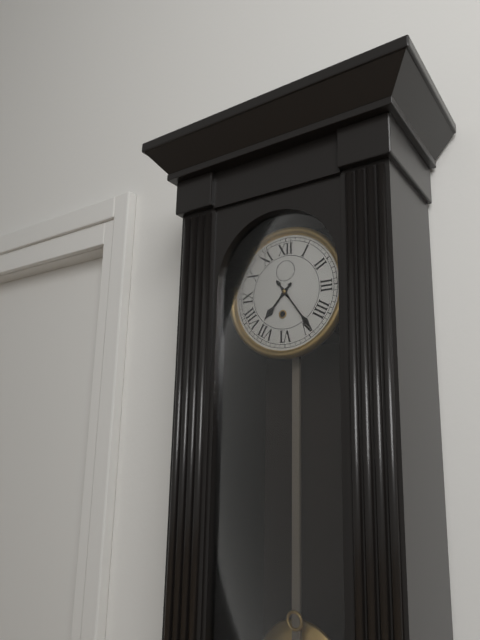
7:24
